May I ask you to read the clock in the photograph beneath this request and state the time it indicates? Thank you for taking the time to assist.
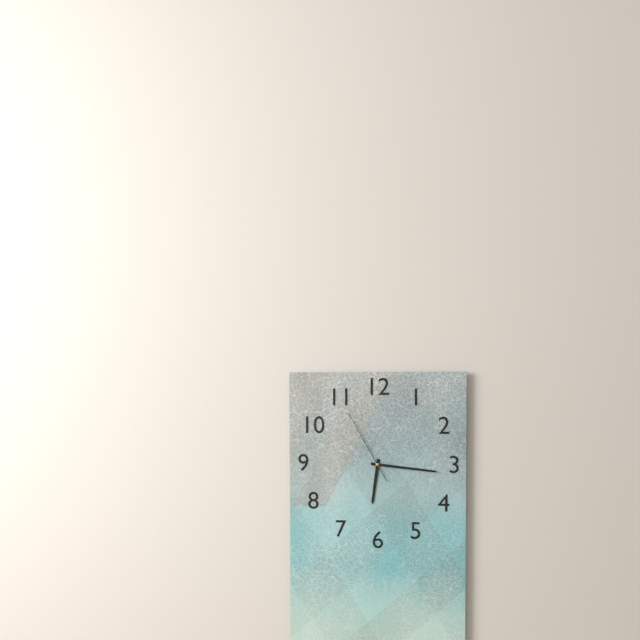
6:16:55
